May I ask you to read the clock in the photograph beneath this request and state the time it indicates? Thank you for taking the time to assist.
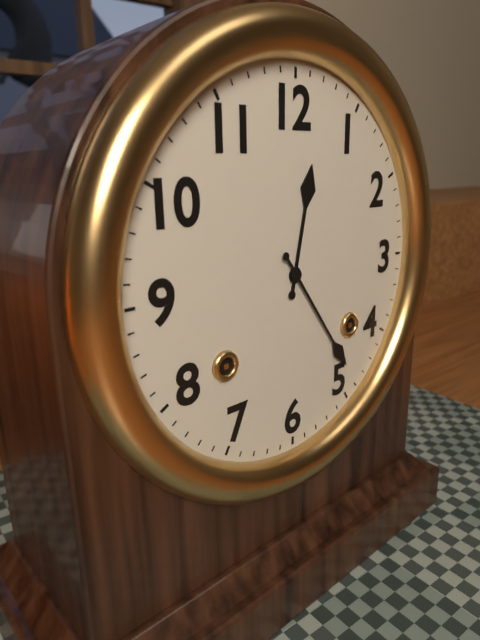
12:24
